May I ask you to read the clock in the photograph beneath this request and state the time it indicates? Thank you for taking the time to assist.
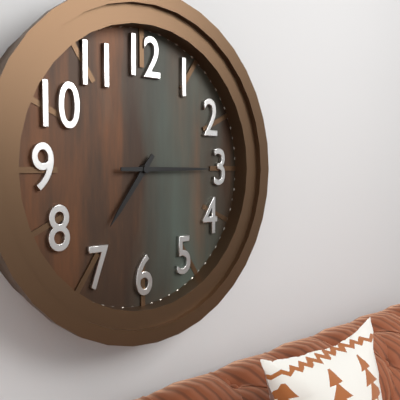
7:15
